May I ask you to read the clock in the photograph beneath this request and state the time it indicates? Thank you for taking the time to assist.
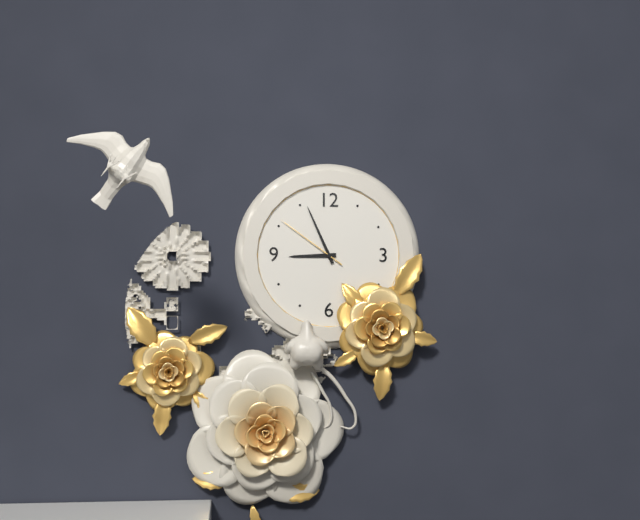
8:56:51
